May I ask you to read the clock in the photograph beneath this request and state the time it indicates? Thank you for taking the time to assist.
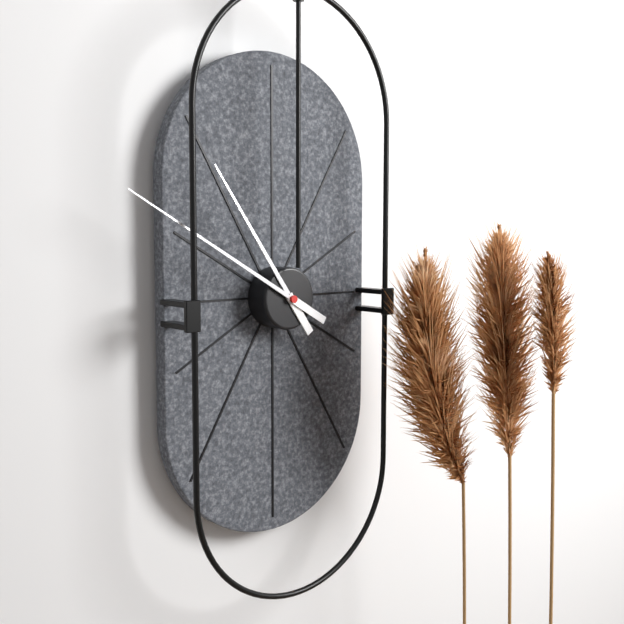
10:50
